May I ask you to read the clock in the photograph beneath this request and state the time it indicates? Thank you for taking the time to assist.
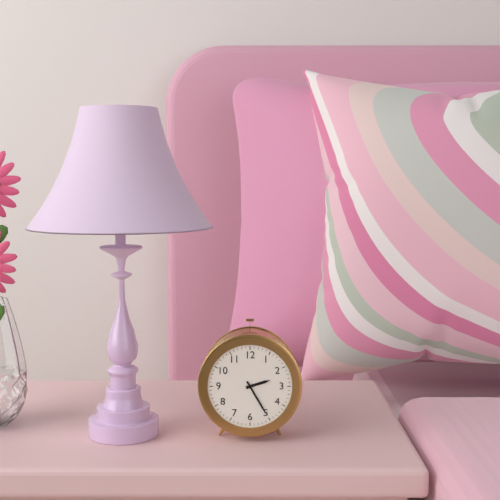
2:25
